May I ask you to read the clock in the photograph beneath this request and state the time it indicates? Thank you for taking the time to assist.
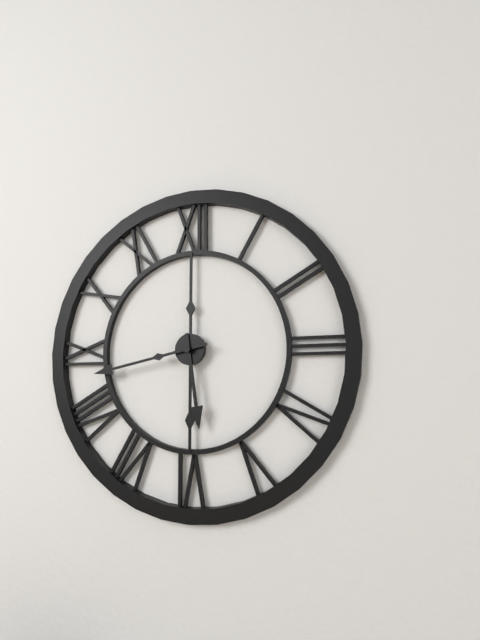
5:43
